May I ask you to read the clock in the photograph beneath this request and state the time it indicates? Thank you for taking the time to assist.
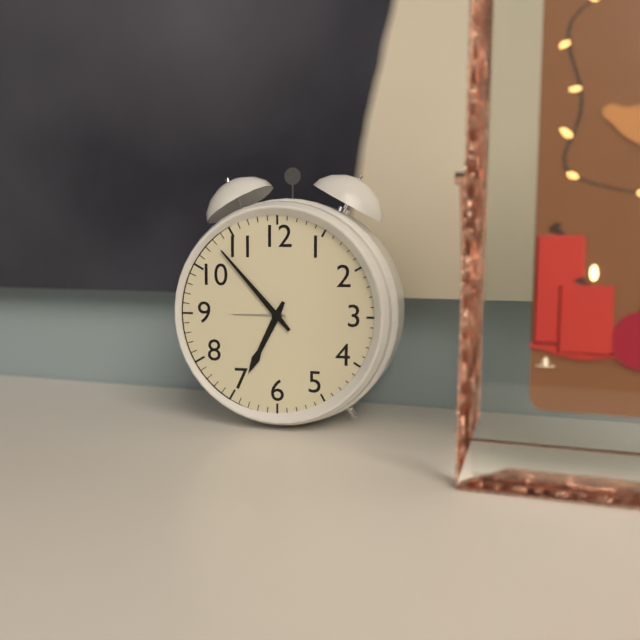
6:53
